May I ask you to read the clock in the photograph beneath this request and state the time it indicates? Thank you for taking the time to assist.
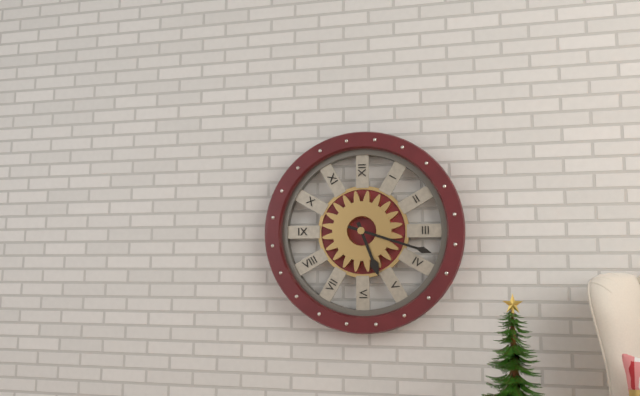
5:18
